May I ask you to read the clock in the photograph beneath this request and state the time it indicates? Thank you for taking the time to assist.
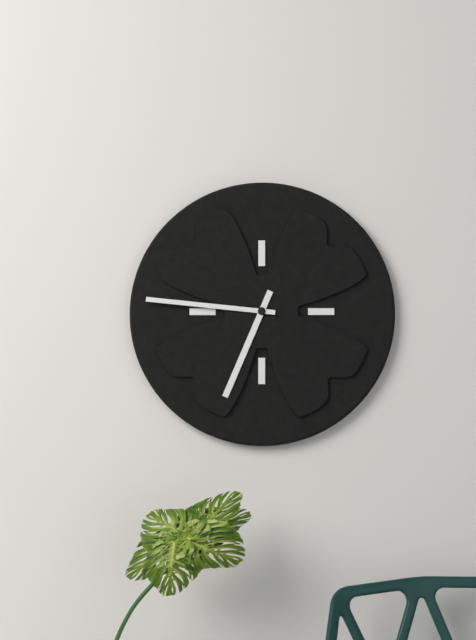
6:46
